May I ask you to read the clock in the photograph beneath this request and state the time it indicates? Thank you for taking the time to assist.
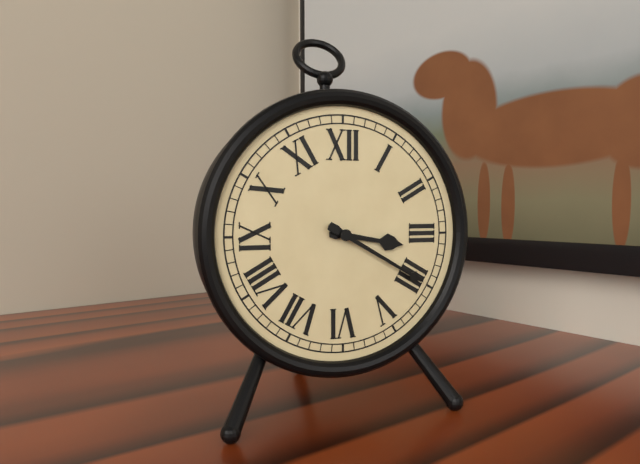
3:20
